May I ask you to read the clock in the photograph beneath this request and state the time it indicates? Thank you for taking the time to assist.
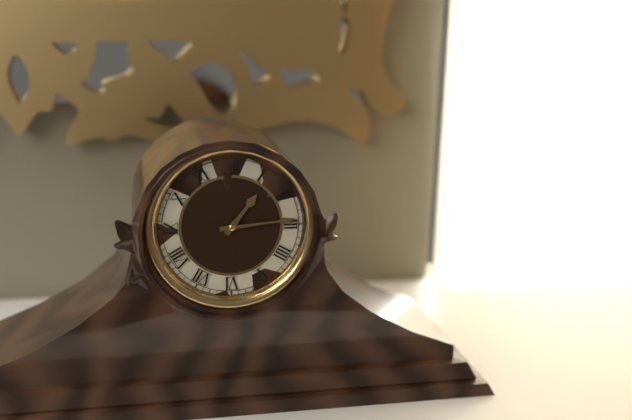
1:14
